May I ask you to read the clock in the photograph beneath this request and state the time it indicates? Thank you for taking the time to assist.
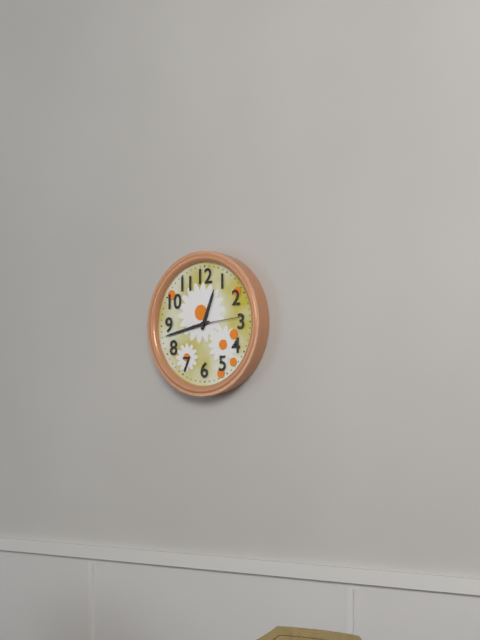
12:43:14
